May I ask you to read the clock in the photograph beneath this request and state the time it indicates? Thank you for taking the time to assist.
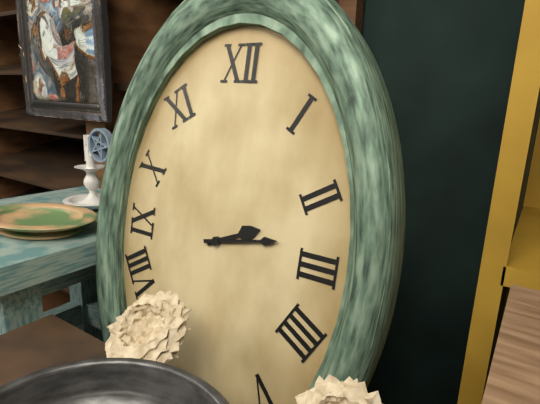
2:13
